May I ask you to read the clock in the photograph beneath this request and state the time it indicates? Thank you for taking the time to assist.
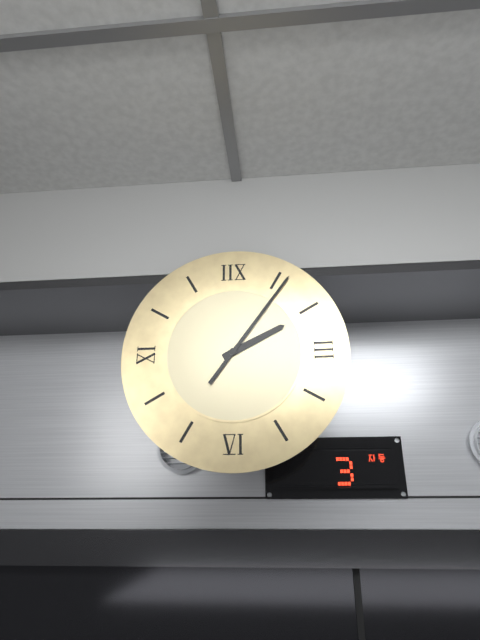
2:06
